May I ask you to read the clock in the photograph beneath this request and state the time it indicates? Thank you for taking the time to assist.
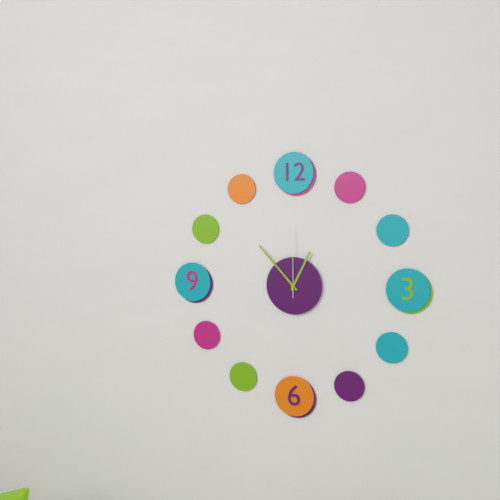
12:53:00
